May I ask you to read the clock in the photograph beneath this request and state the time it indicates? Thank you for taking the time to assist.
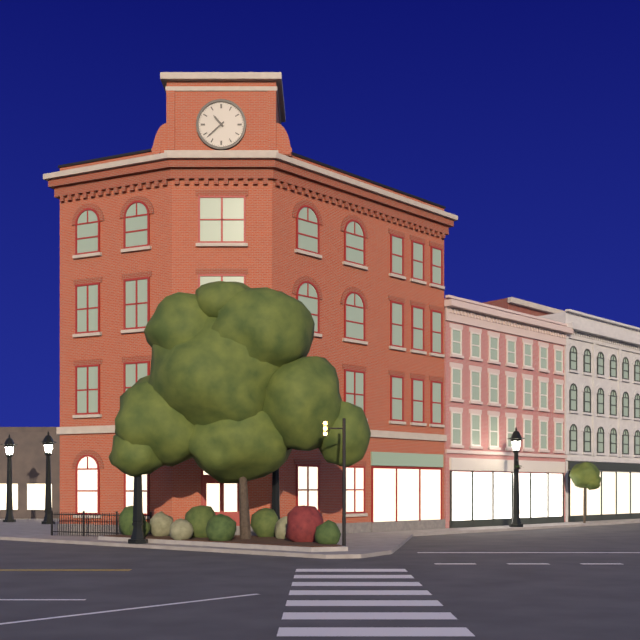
10:38
